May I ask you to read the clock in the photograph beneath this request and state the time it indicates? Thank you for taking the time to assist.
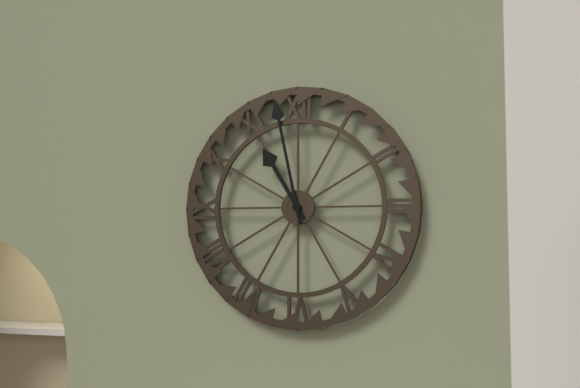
10:58
